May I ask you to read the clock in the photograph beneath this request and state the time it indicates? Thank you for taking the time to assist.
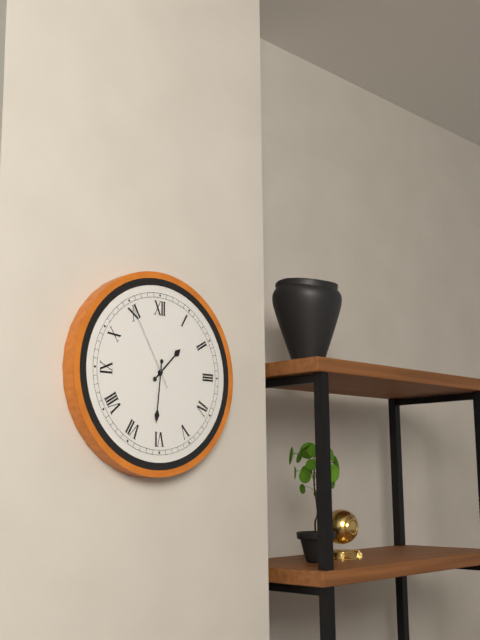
1:31:55
